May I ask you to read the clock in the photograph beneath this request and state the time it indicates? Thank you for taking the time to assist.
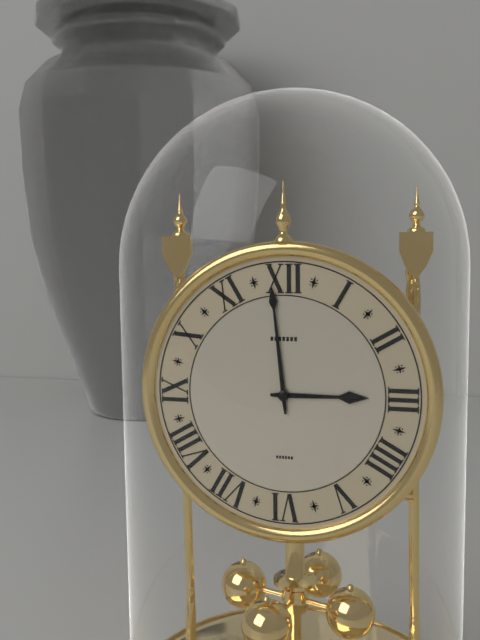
2:59
